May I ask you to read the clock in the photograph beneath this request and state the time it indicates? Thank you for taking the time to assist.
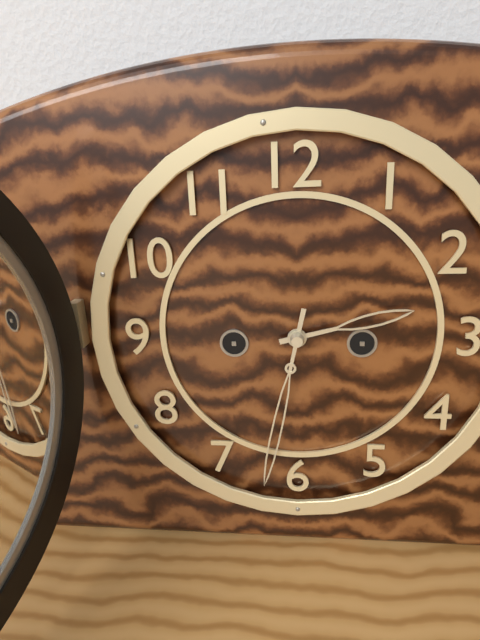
2:32
